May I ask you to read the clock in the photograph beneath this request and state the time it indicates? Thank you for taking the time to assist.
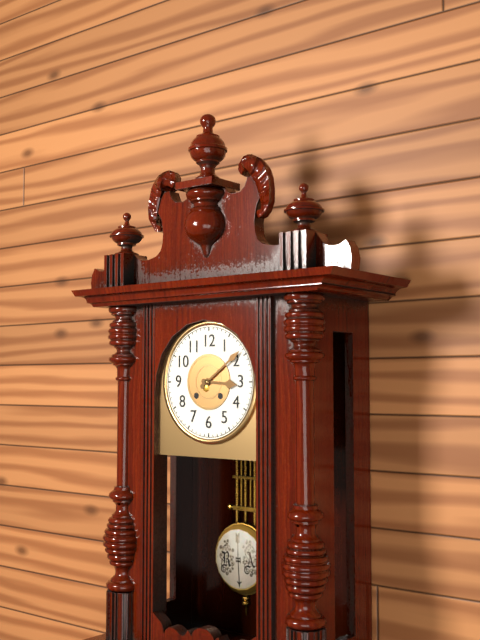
3:09
